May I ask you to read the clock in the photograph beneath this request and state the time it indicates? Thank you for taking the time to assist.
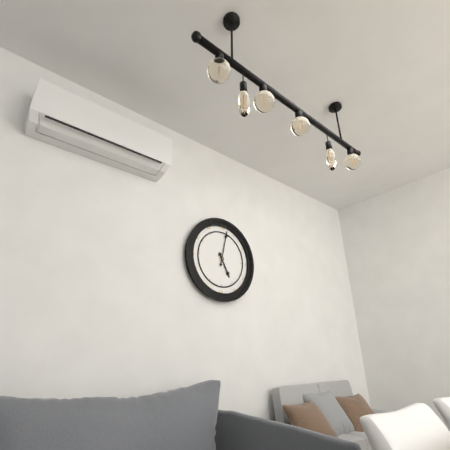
5:02
